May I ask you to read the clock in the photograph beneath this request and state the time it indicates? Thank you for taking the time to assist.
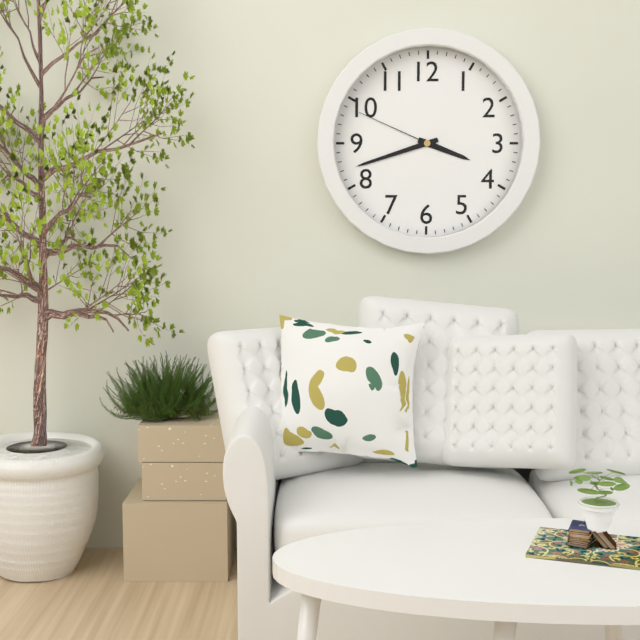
3:42:49
